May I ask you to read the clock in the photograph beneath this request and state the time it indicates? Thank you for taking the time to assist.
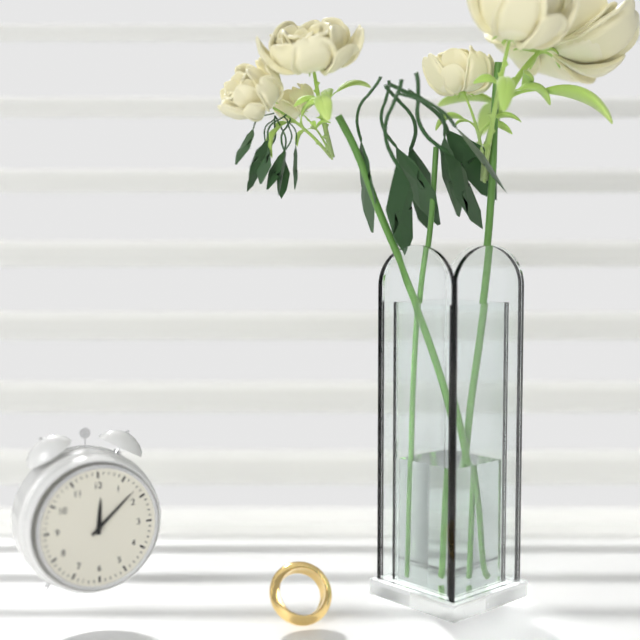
12:08
